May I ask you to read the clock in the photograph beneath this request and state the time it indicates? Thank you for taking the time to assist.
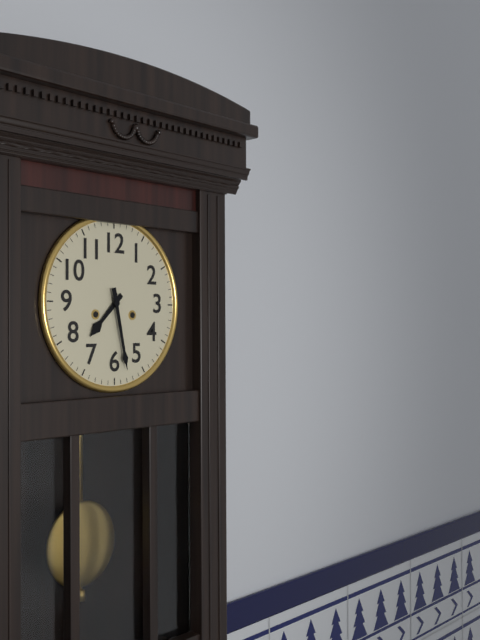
7:28
